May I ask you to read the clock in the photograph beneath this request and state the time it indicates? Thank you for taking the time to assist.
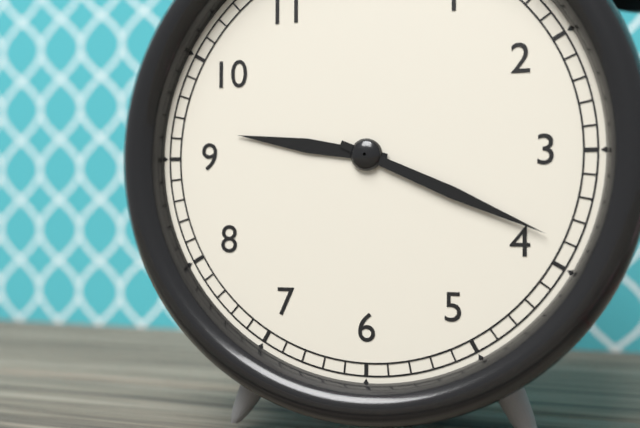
9:19
